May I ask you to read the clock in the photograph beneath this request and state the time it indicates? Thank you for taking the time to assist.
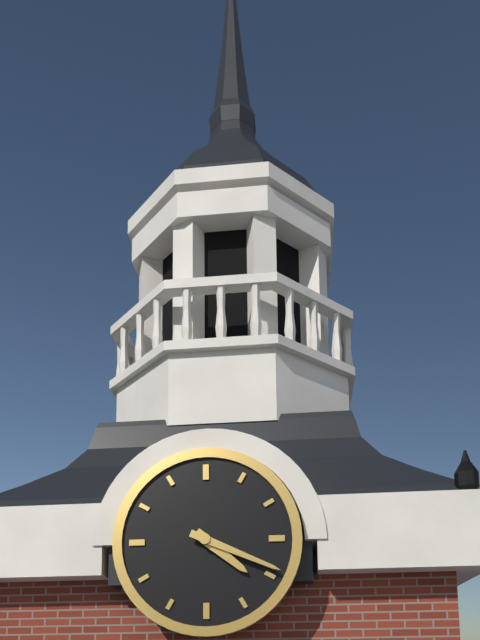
4:19
